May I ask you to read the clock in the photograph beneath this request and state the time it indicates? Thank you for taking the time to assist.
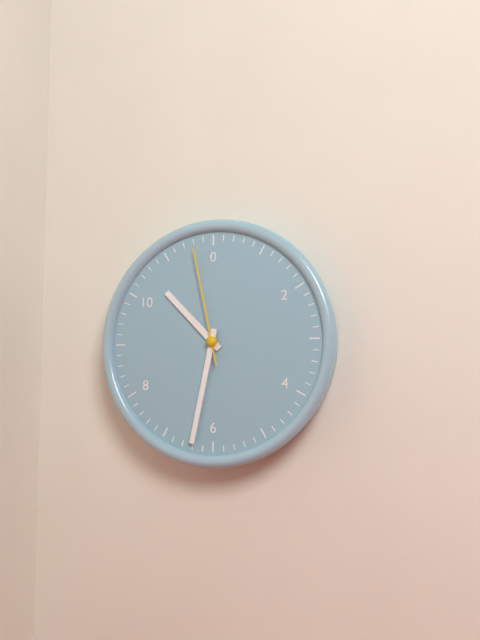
10:32:58
